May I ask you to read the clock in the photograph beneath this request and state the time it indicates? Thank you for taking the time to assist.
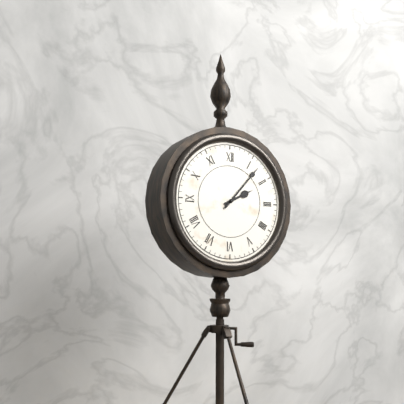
2:07
